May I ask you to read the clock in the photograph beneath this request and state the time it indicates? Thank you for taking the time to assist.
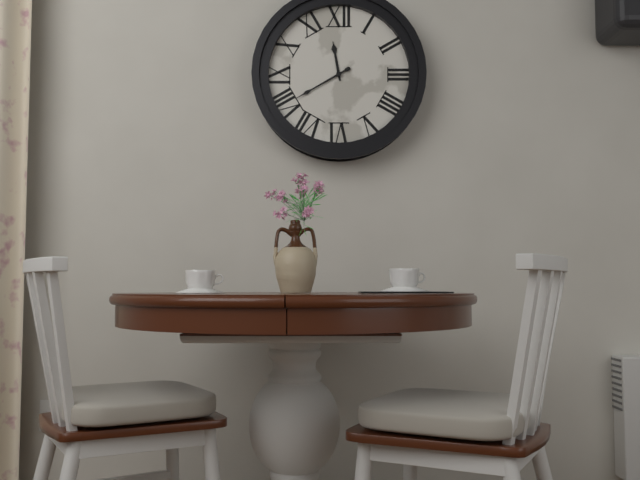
11:40
